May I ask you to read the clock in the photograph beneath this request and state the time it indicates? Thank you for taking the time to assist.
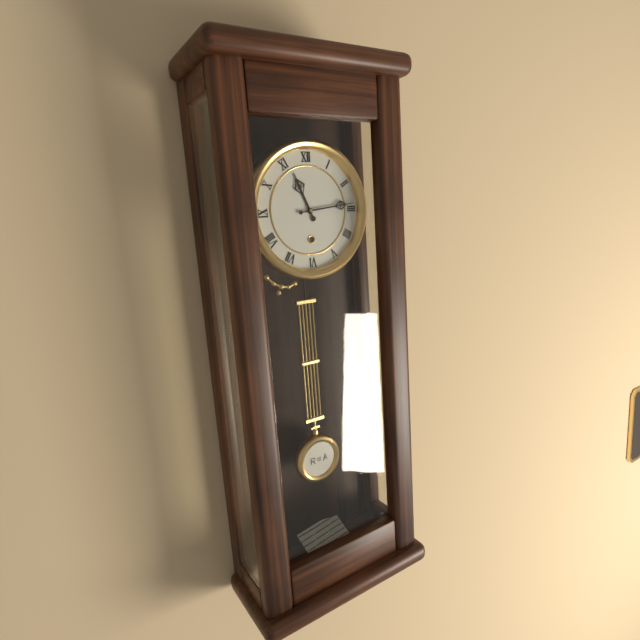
11:14
